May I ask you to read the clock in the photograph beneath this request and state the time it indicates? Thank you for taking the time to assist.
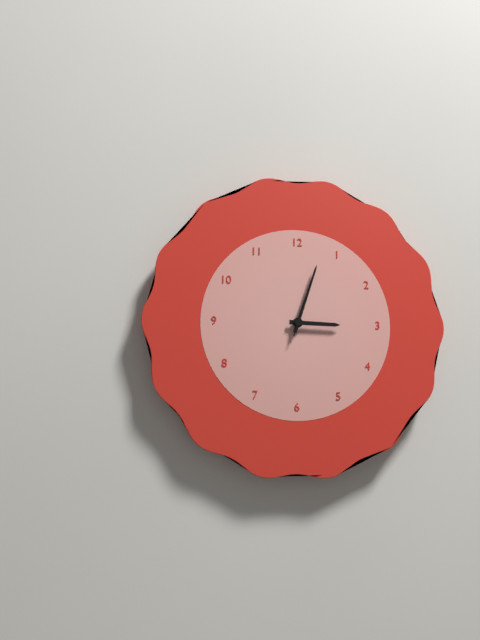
3:03:03
